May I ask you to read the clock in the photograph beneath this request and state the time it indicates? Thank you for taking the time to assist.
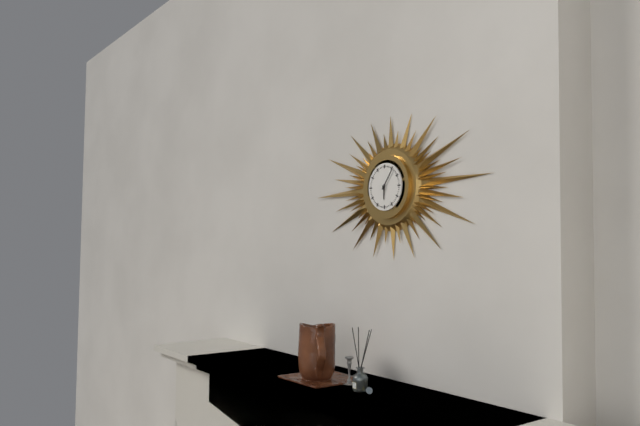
6:06
